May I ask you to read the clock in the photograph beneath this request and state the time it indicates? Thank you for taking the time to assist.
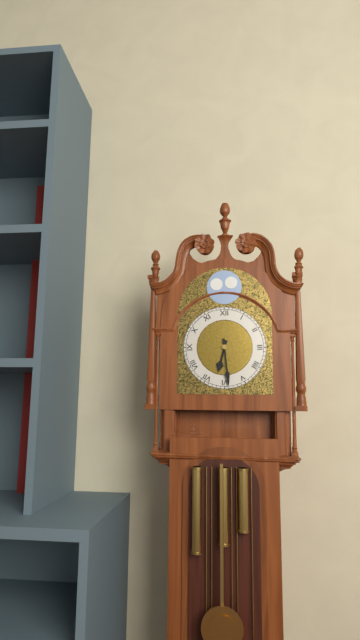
6:29
